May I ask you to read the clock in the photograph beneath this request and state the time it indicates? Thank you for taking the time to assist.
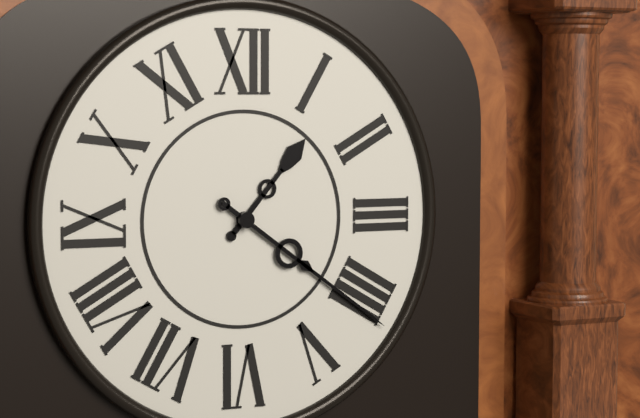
1:21
